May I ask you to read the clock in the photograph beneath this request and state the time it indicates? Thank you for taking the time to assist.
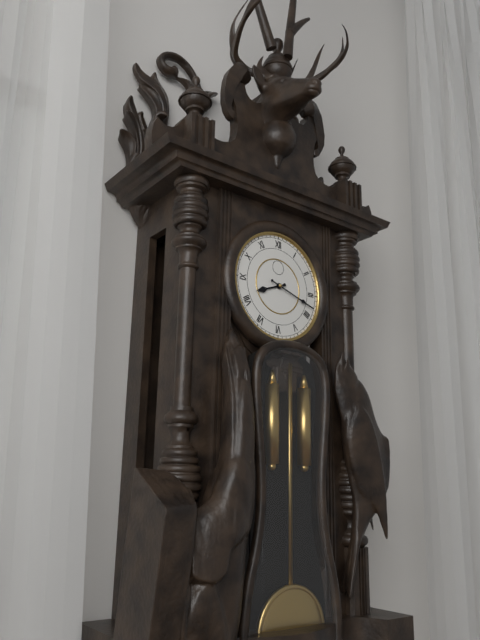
8:18
